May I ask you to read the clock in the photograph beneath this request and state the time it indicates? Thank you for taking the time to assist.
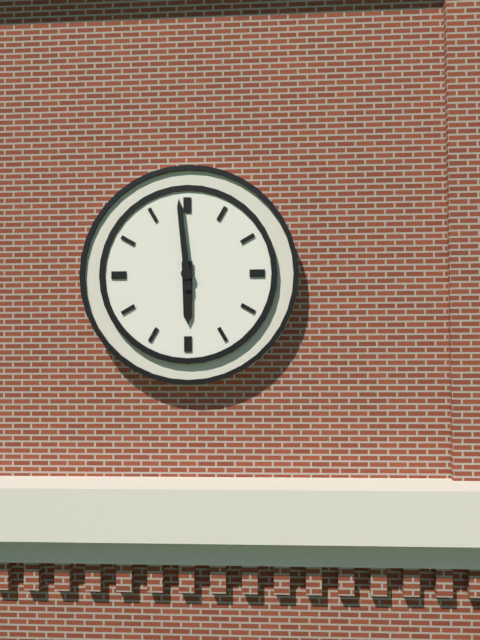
5:59
